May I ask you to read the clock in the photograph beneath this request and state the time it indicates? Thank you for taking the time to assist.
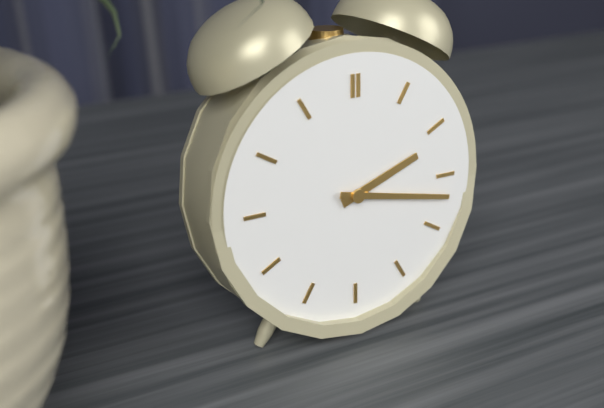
2:17
